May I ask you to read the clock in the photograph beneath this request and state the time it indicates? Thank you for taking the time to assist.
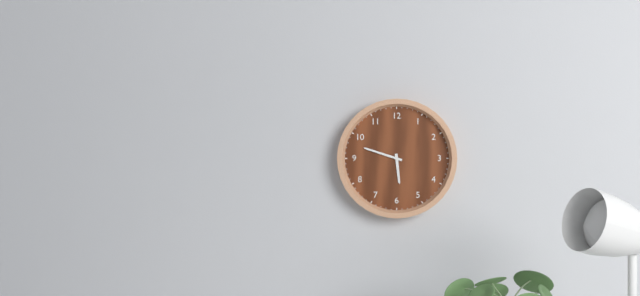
5:48
